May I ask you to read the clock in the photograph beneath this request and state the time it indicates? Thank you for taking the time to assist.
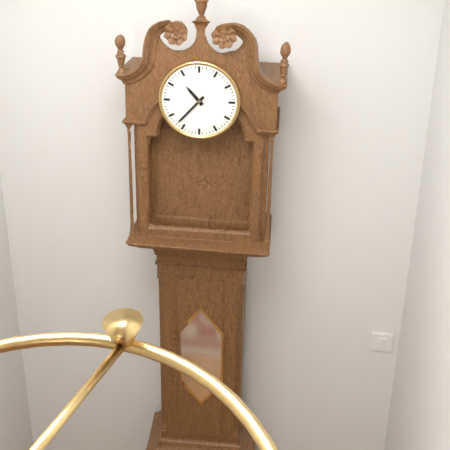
10:37
